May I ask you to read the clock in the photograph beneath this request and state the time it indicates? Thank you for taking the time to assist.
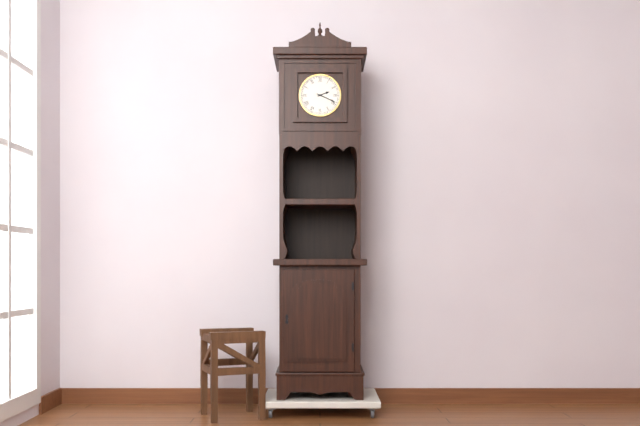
2:19
